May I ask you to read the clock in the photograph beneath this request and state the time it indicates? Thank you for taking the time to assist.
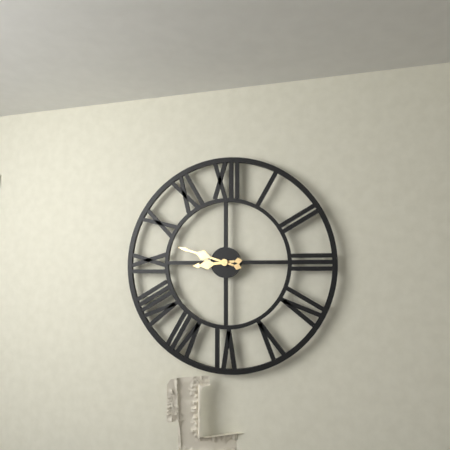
8:48
